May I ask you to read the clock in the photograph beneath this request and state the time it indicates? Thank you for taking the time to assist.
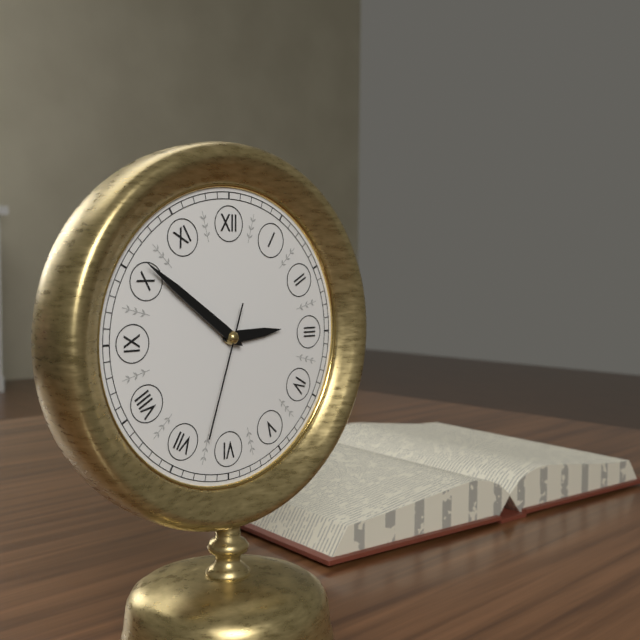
2:51:33
